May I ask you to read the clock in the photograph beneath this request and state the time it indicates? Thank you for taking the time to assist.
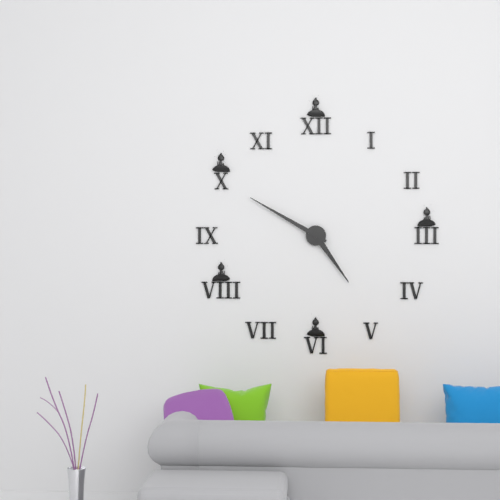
4:50
